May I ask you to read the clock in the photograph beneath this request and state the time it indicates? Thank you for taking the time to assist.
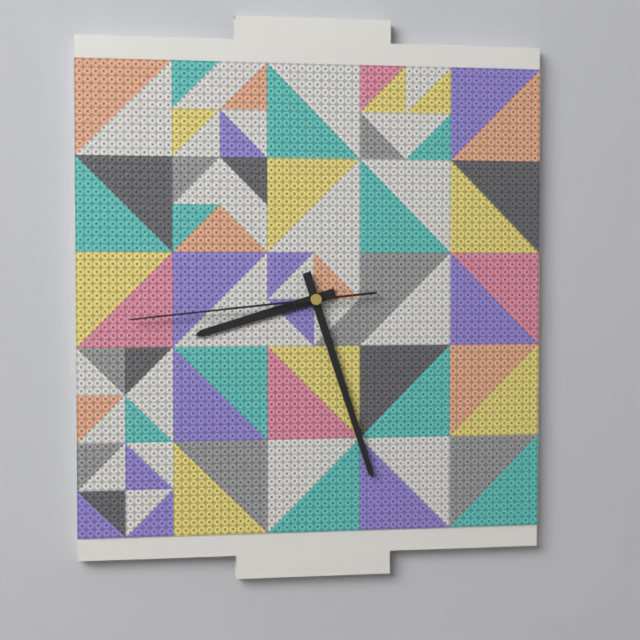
8:27:44
